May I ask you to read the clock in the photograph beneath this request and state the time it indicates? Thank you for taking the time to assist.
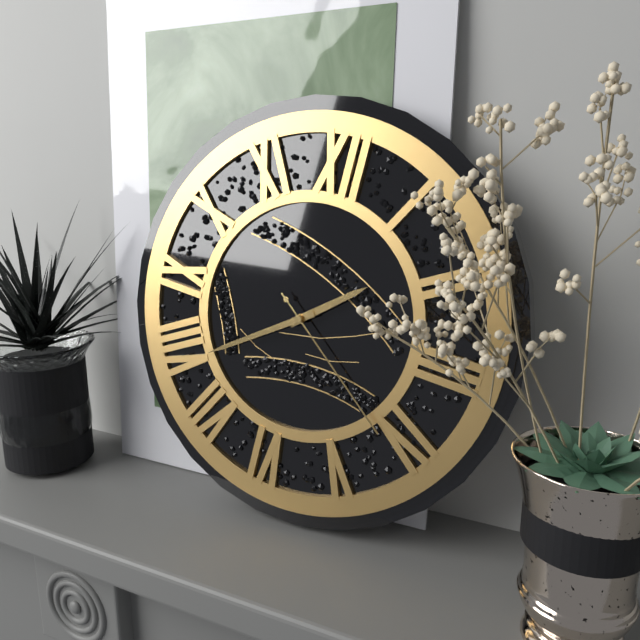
1:39:21
